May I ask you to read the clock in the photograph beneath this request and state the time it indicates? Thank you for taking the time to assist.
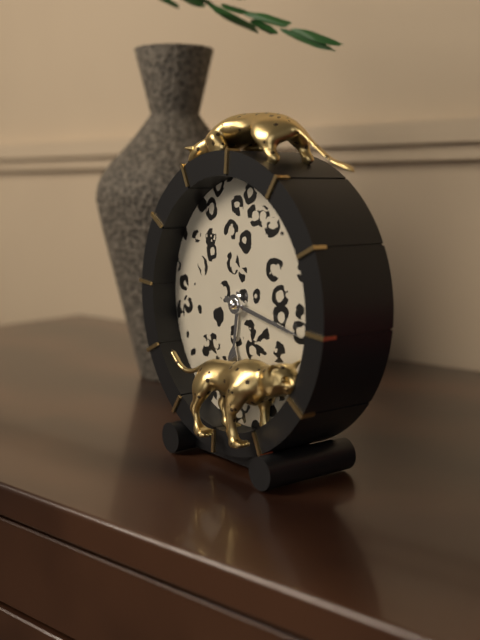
6:17
